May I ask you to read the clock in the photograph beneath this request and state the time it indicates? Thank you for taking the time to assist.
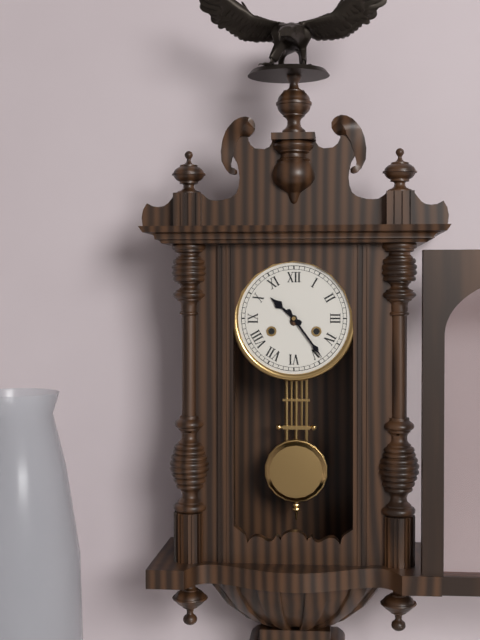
10:24
